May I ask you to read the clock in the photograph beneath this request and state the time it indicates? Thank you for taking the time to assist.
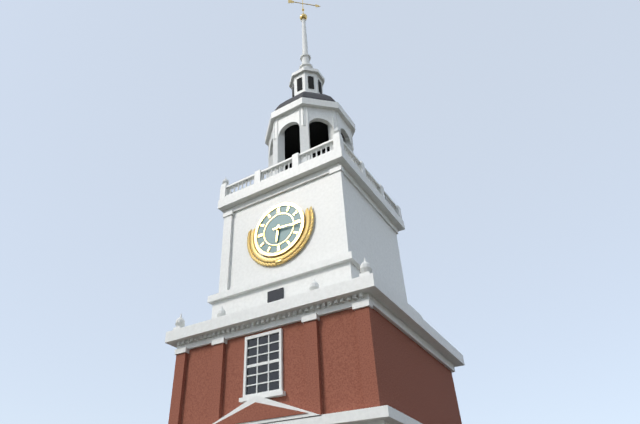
6:16
